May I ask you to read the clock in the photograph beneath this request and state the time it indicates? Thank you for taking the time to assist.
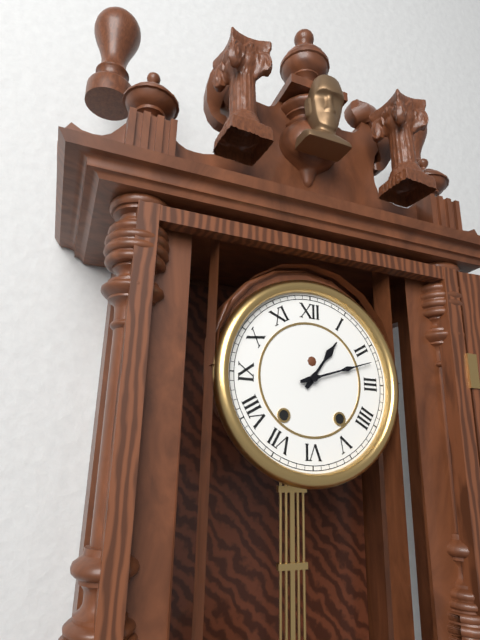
1:12
